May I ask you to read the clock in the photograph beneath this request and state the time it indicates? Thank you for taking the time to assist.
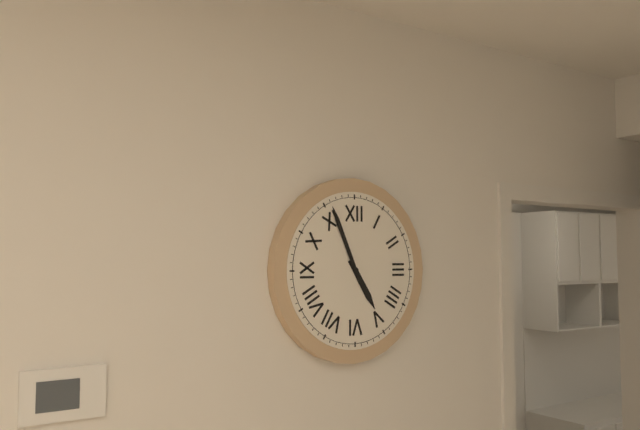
4:56
